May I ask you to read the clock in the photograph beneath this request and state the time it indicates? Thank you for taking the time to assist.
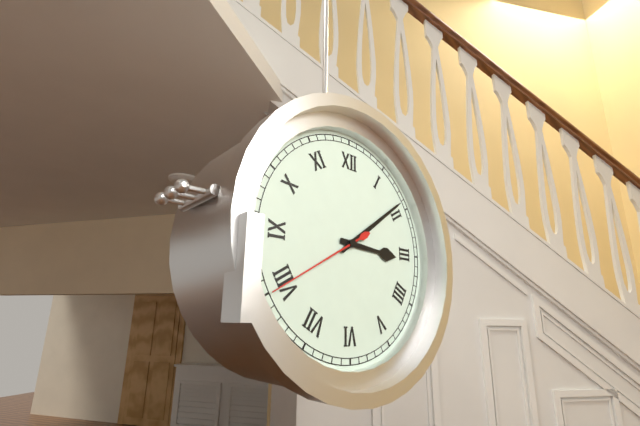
3:09:40
